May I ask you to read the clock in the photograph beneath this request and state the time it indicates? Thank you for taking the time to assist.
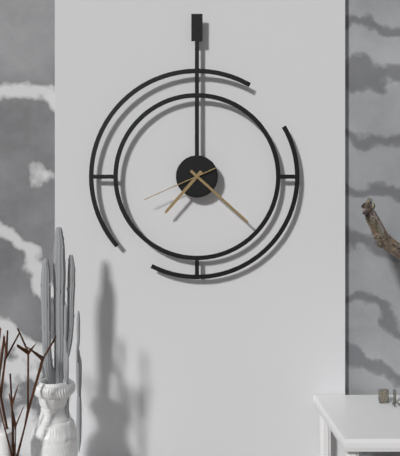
7:22:41
